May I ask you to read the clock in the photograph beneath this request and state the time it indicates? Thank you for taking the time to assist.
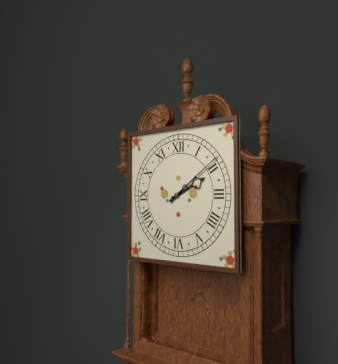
2:09
